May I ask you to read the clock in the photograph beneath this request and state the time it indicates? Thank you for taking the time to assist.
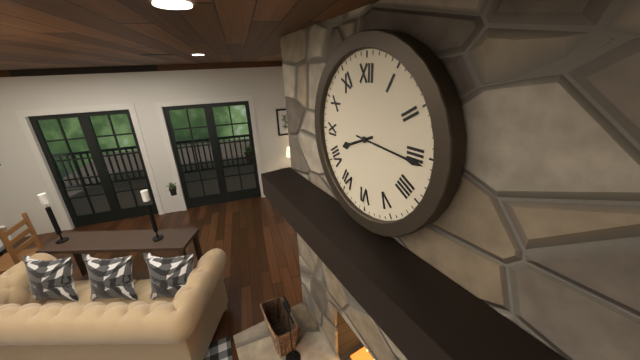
8:16
